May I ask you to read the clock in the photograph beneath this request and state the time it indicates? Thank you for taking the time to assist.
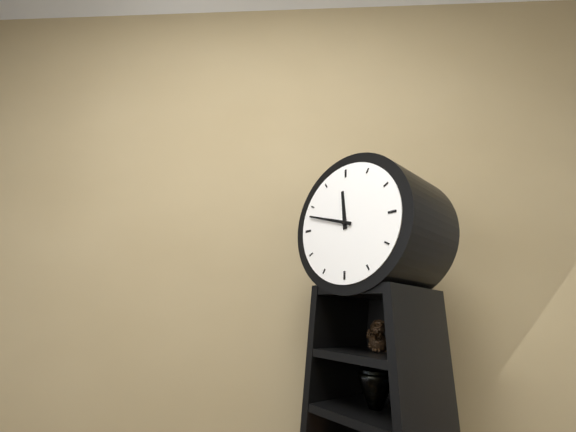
11:48
